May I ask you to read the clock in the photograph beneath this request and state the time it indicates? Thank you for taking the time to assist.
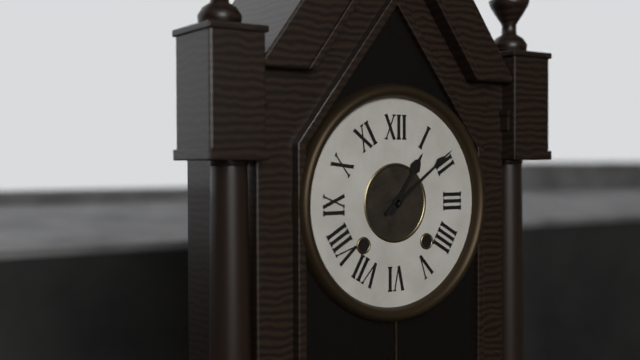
1:09
